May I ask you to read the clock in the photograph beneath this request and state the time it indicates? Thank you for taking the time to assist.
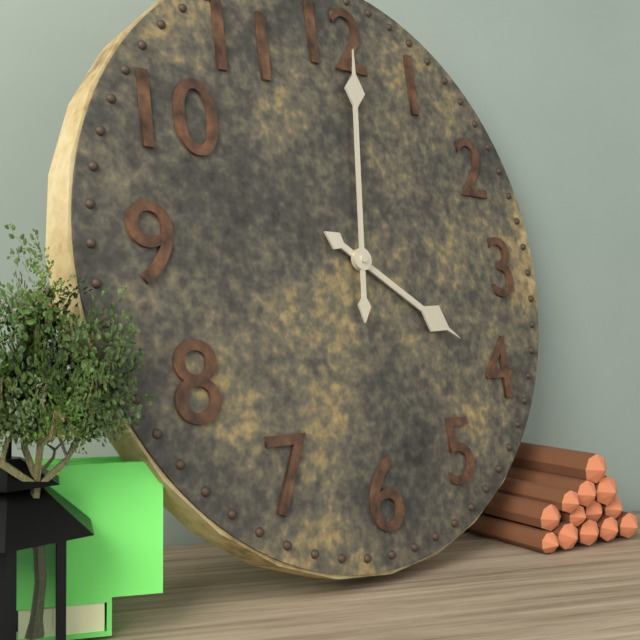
4:01
